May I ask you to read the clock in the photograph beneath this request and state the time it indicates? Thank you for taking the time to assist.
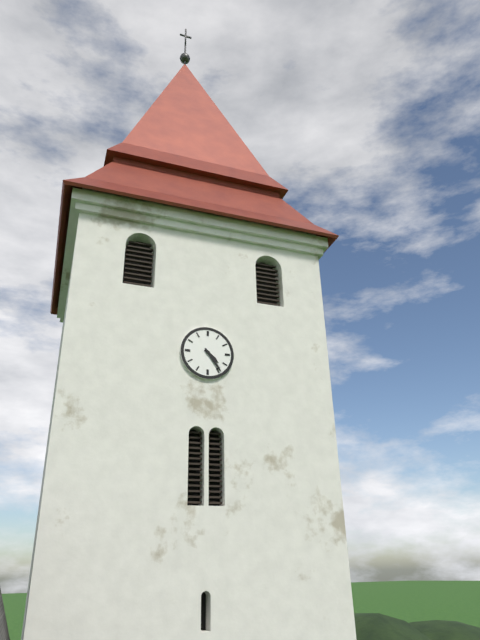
4:24
